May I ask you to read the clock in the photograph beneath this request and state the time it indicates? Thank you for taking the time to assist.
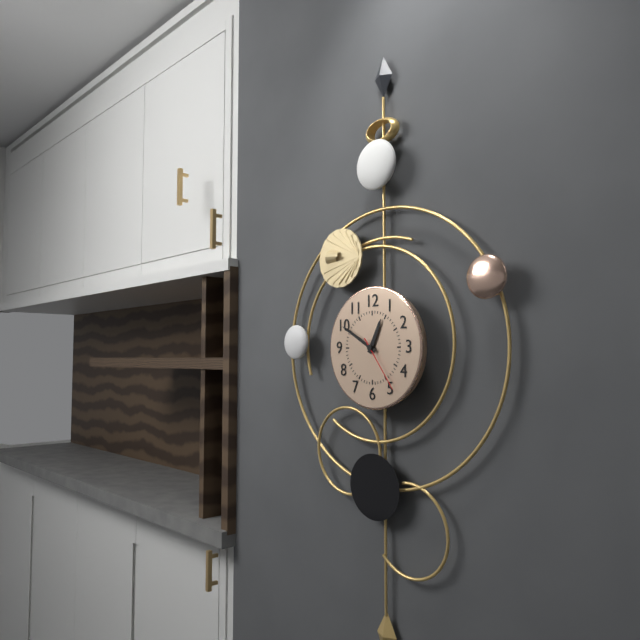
12:50:24
